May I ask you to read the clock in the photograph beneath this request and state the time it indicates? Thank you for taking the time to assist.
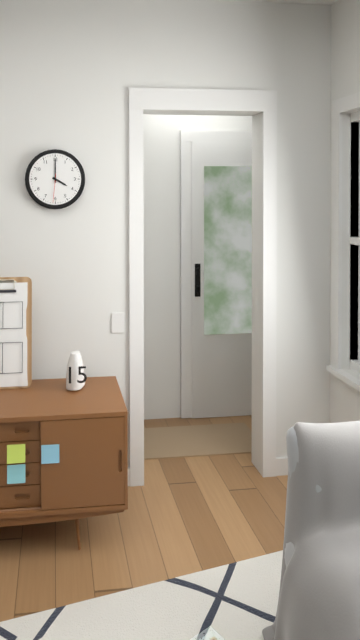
4:00
